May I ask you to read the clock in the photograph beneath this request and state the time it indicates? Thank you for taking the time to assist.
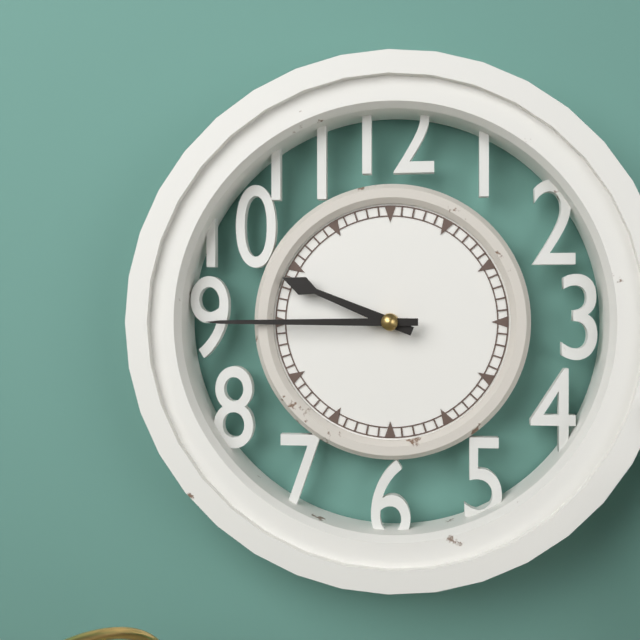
9:45
